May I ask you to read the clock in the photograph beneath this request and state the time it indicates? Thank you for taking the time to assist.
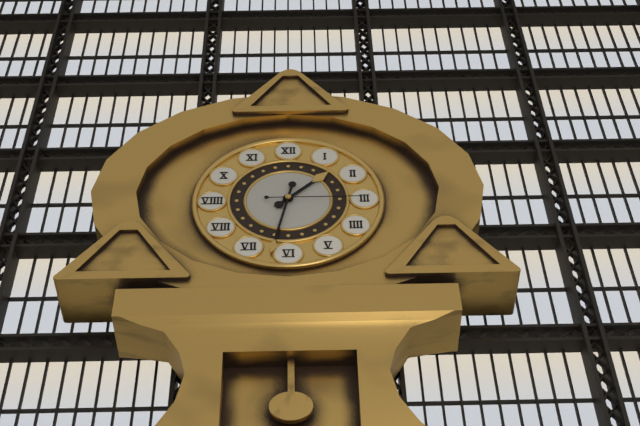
1:32:15
